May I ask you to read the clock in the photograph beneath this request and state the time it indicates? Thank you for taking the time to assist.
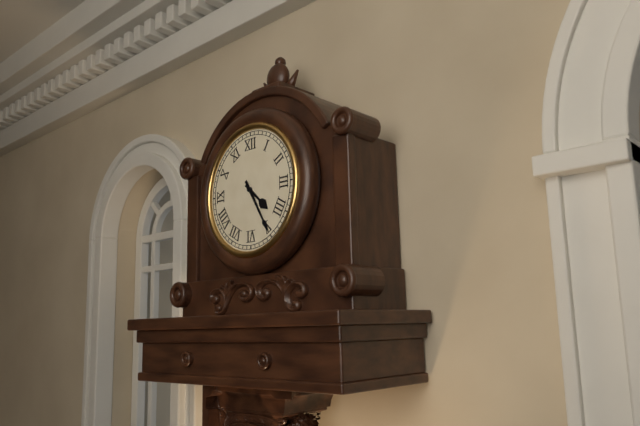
4:25
